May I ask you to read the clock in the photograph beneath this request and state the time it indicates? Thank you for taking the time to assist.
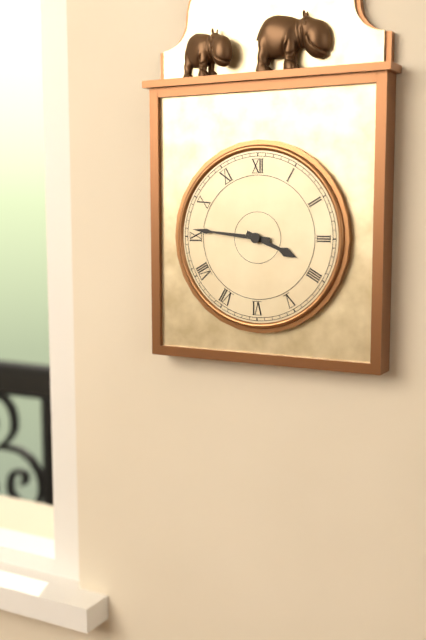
3:46
